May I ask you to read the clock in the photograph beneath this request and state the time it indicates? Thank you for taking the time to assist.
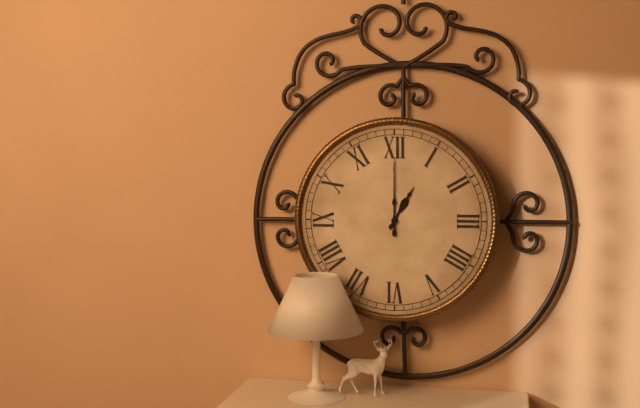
1:00
